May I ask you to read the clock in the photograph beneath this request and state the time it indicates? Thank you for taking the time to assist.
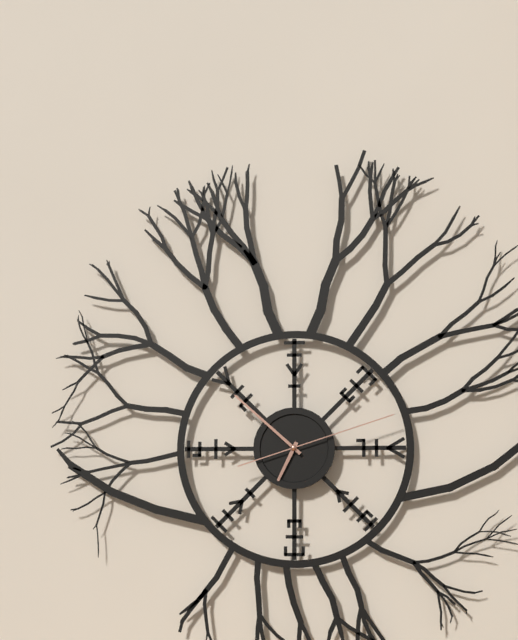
6:52:12
